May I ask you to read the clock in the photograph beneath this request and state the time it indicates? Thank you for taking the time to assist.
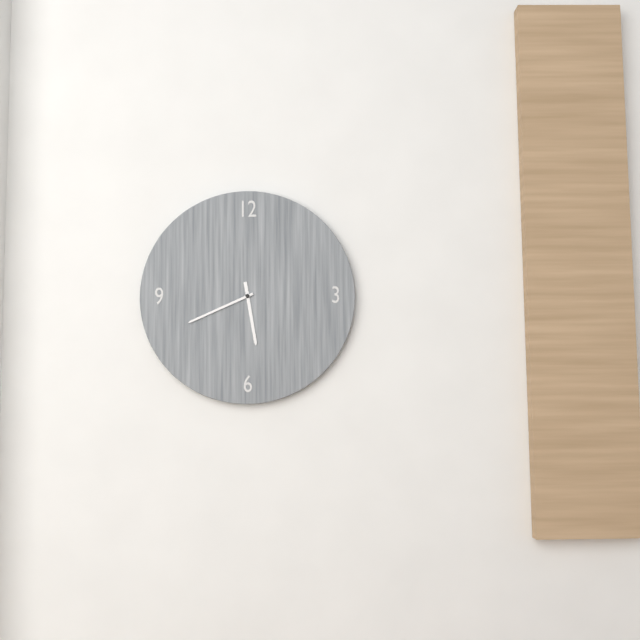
5:41
